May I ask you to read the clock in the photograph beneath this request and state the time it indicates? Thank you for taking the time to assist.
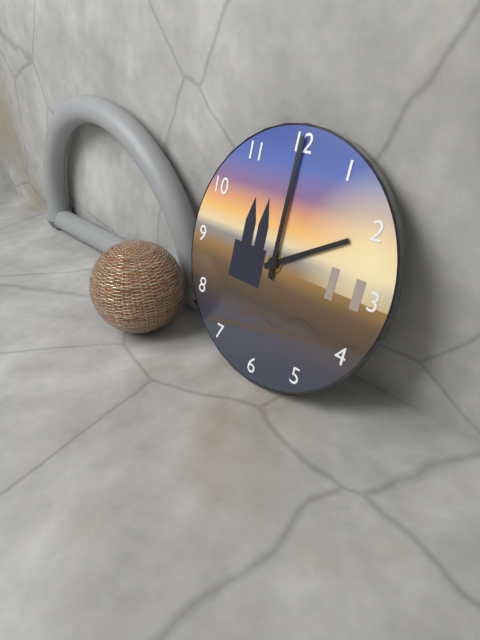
2:00
